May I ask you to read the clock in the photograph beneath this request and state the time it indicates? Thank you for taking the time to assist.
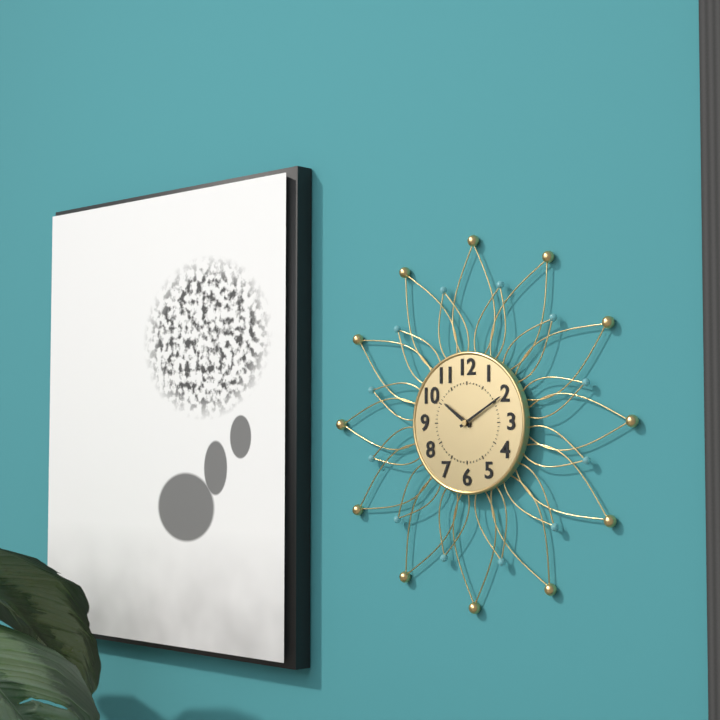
10:10
